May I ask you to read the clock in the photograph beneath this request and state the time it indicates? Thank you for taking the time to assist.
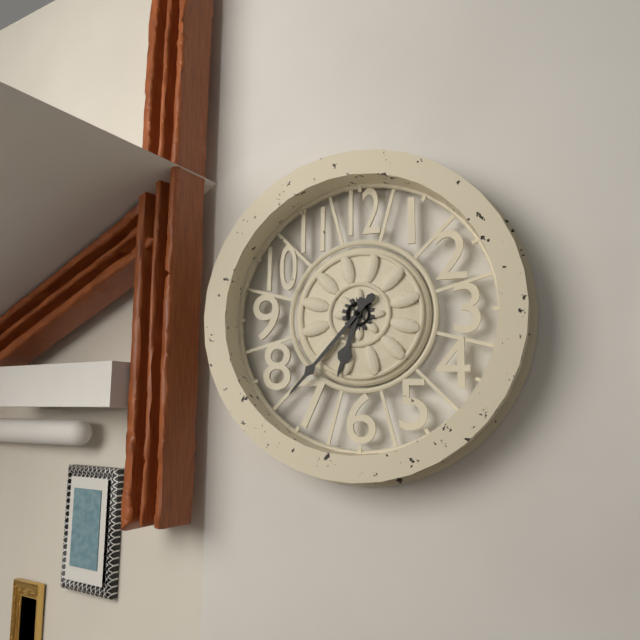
6:37
